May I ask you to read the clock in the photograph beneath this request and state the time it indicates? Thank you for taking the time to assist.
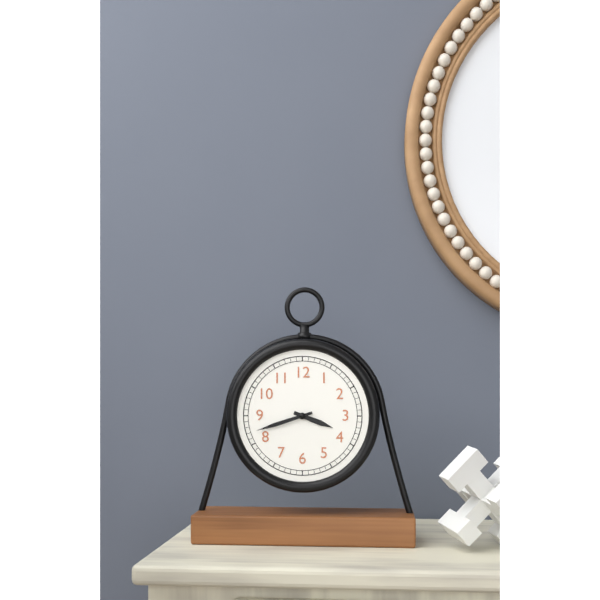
3:42
